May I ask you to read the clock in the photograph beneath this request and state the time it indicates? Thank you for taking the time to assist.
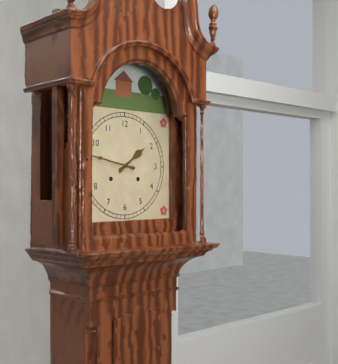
1:47
